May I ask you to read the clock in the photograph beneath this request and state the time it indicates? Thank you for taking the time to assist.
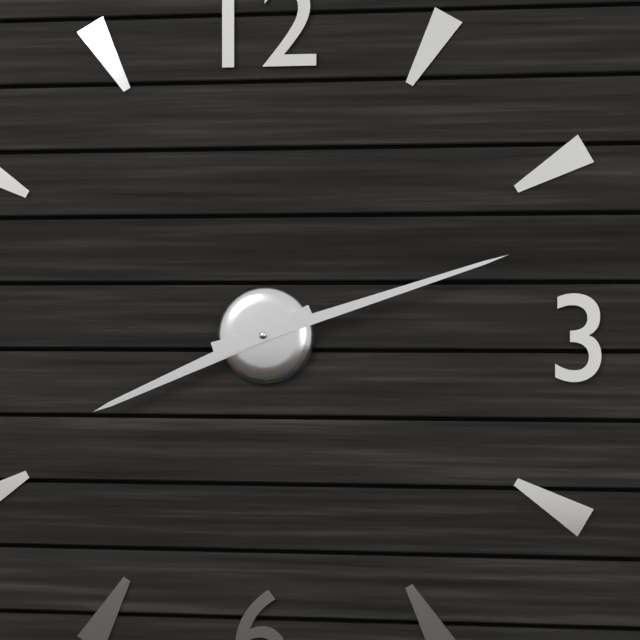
8:12
